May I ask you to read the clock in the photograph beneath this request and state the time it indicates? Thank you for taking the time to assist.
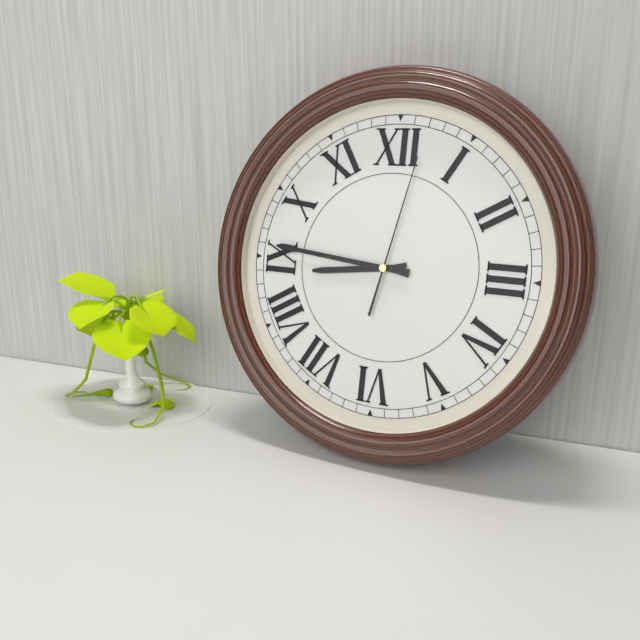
8:46:02
